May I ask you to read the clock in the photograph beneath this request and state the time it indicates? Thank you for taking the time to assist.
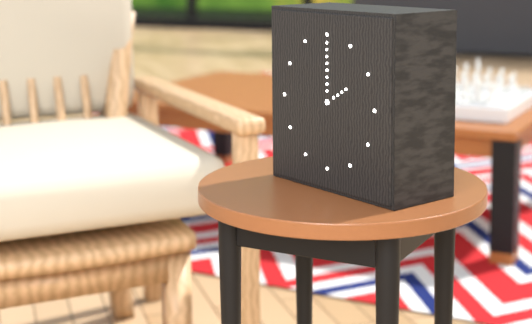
2:00
